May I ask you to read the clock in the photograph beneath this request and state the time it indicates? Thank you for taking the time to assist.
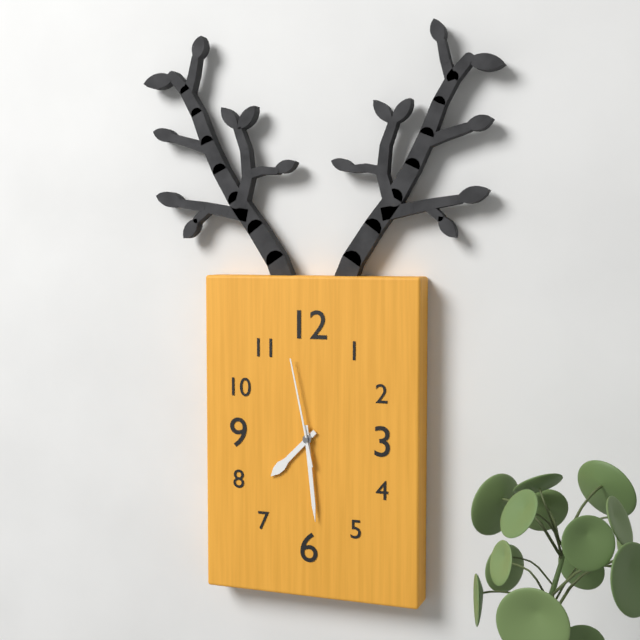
7:29:58
